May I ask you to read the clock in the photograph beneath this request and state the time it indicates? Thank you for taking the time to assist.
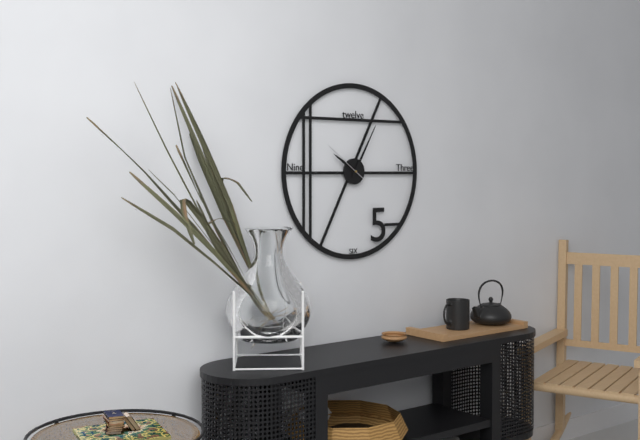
10:05
